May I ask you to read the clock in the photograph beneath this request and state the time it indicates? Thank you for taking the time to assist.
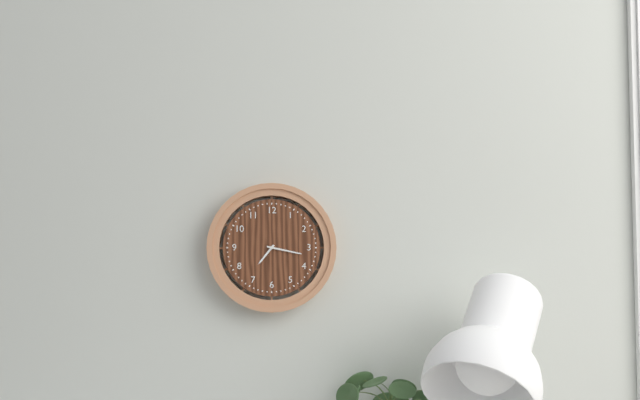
7:17
